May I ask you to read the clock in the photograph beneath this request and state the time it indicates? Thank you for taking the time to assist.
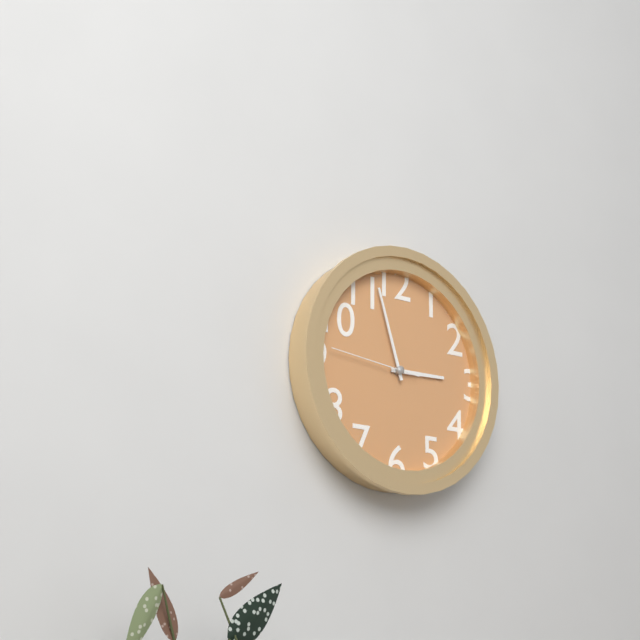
2:57:46
